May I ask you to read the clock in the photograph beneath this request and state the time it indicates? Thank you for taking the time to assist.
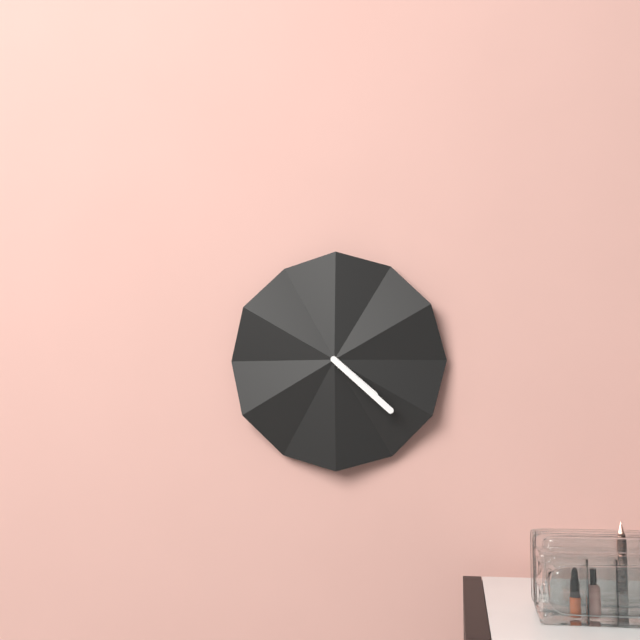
4:22
